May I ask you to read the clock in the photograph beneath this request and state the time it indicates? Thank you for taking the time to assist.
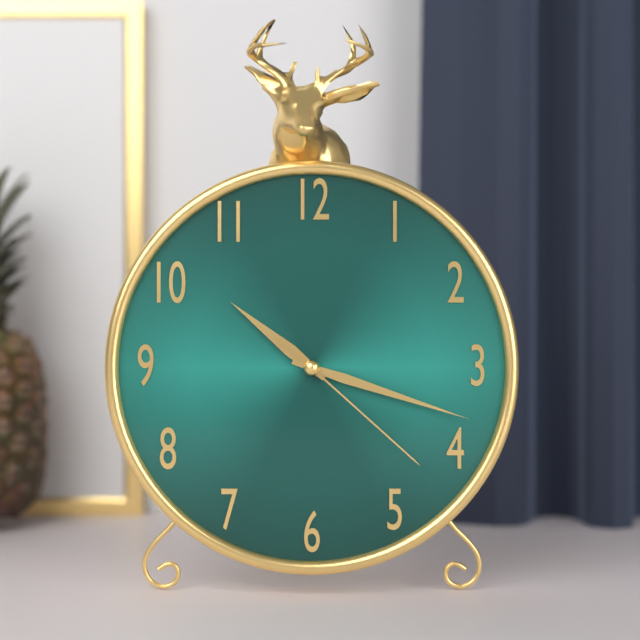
10:18:22
